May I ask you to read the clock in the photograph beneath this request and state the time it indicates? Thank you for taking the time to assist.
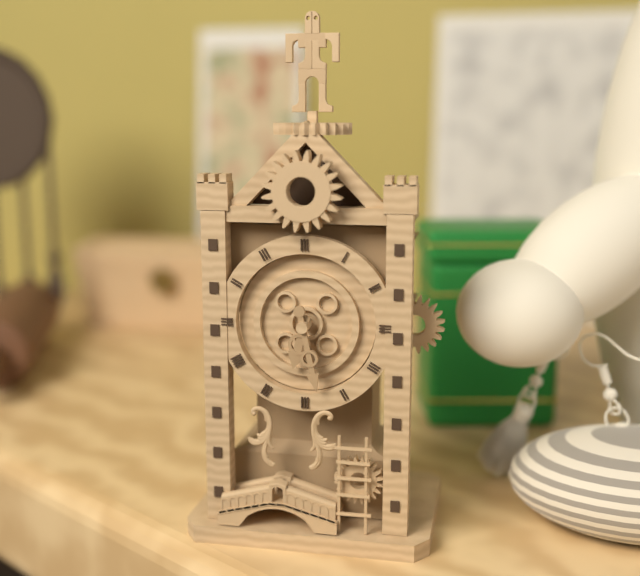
6:28
